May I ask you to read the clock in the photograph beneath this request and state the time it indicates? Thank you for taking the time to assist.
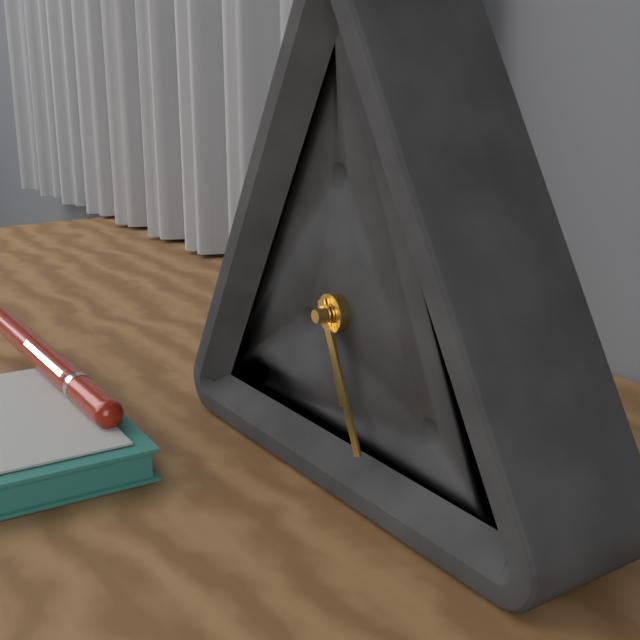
5:26
